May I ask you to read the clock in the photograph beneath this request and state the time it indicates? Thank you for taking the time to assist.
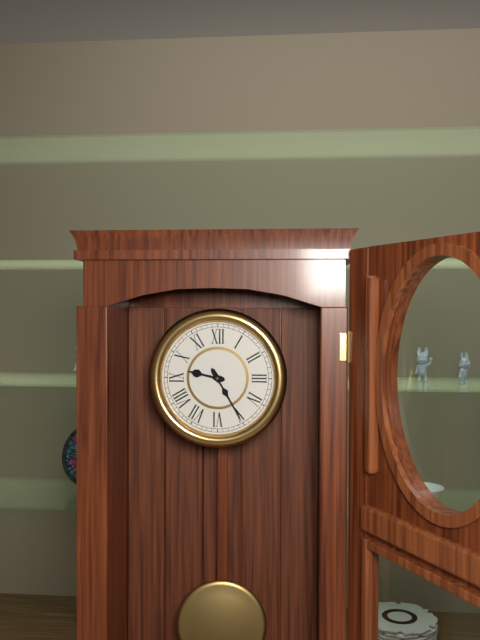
9:25
